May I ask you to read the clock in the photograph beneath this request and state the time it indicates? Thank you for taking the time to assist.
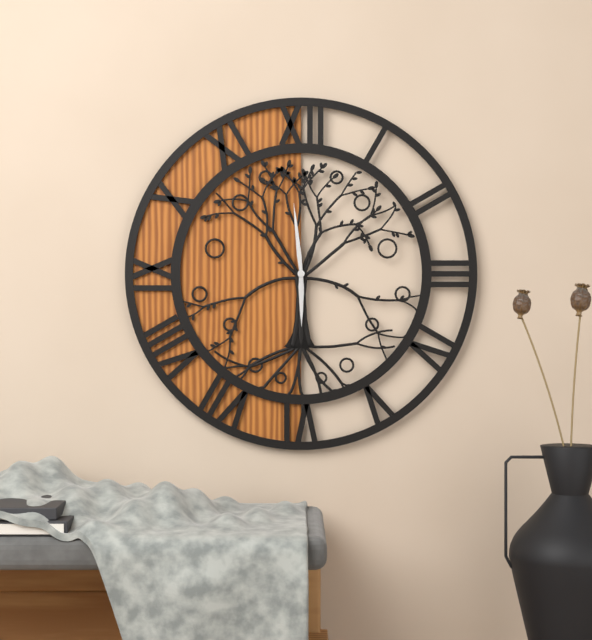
5:59
